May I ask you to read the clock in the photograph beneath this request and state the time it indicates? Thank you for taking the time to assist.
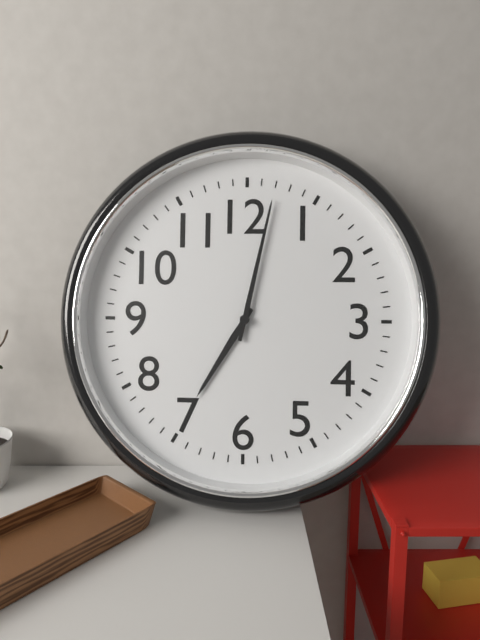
7:02
